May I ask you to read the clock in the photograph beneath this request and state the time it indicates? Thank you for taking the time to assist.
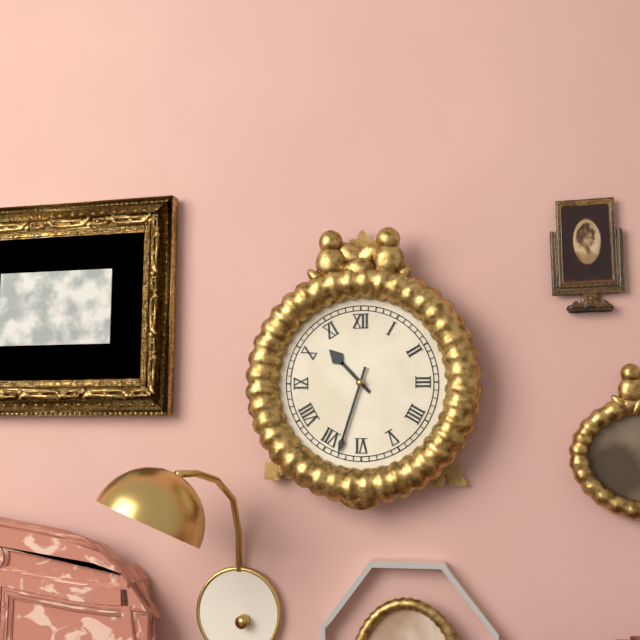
10:33
